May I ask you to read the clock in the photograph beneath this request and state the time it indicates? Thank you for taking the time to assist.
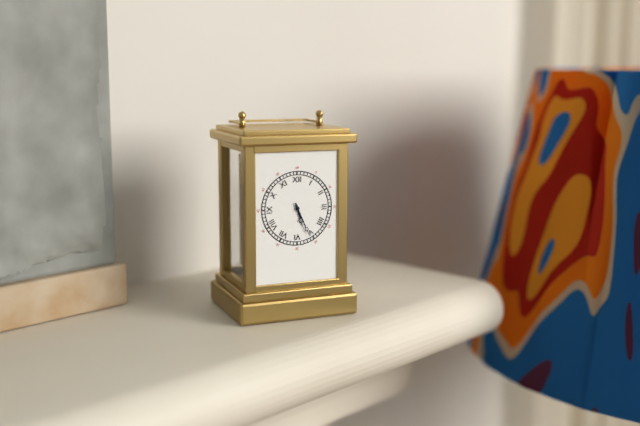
5:26
